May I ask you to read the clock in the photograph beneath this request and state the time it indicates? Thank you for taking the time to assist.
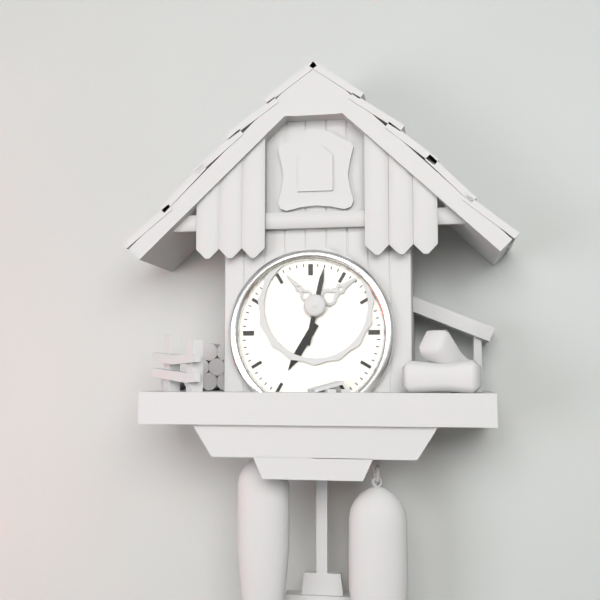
7:02
